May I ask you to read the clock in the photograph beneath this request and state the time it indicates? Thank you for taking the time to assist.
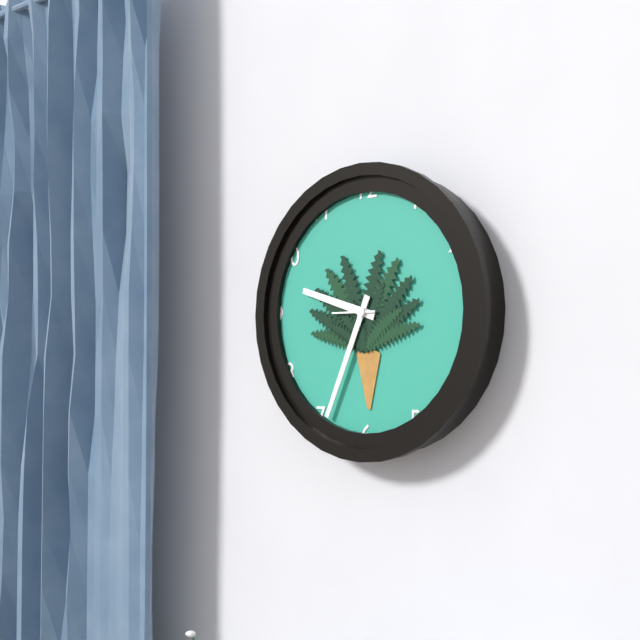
9:34
